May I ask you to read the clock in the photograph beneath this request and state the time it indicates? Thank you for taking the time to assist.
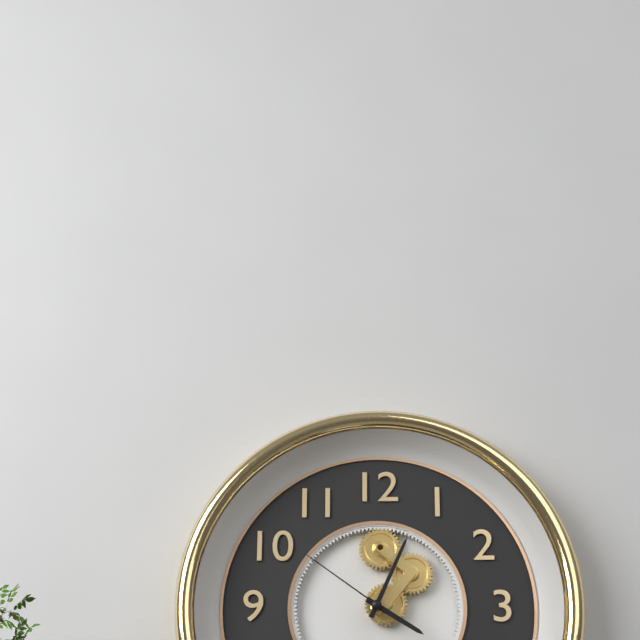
4:04:51
